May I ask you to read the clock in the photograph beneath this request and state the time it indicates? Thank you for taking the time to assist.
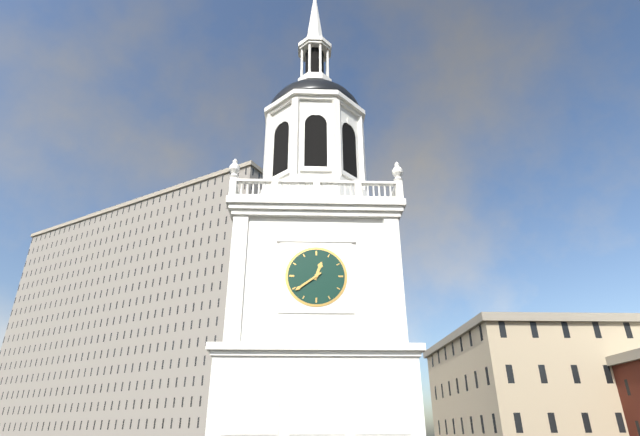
12:39
